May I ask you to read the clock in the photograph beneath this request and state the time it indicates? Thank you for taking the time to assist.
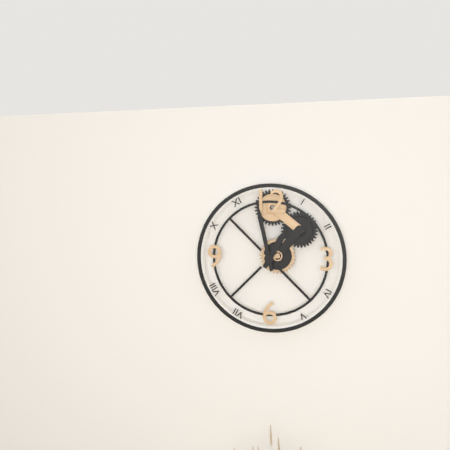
12:58
